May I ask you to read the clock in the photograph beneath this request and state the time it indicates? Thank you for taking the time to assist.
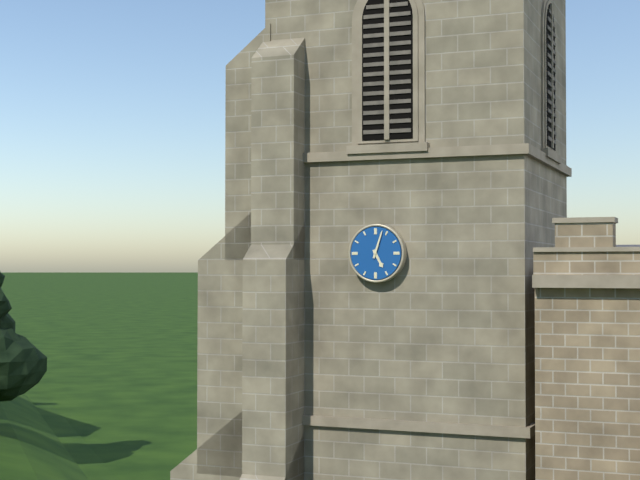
5:03
